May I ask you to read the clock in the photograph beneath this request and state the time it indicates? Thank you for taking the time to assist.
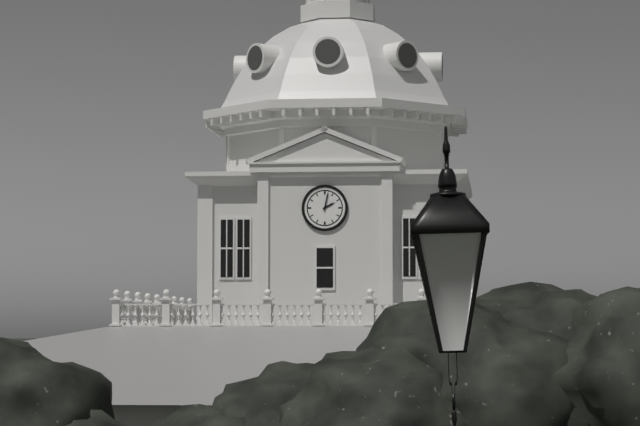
2:02
